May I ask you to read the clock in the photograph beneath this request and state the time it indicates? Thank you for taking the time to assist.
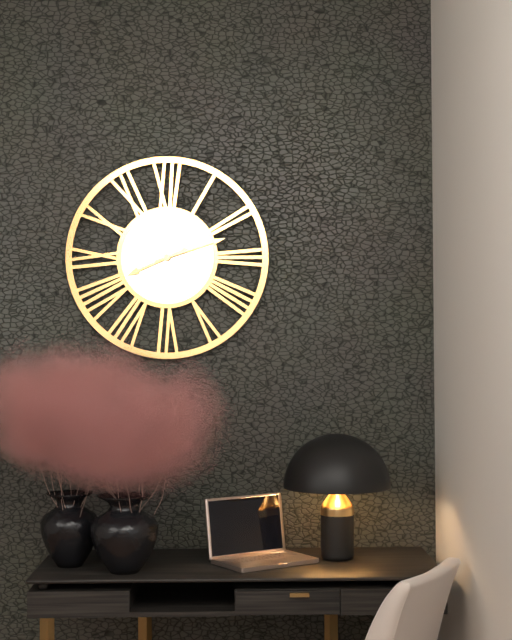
8:12
